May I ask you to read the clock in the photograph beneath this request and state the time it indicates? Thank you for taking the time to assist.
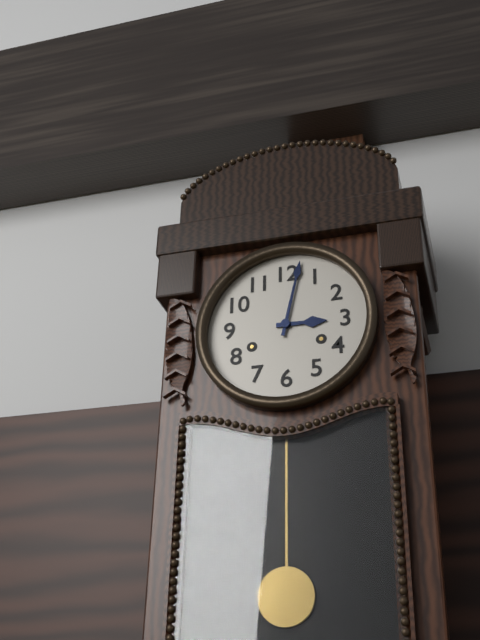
3:02
